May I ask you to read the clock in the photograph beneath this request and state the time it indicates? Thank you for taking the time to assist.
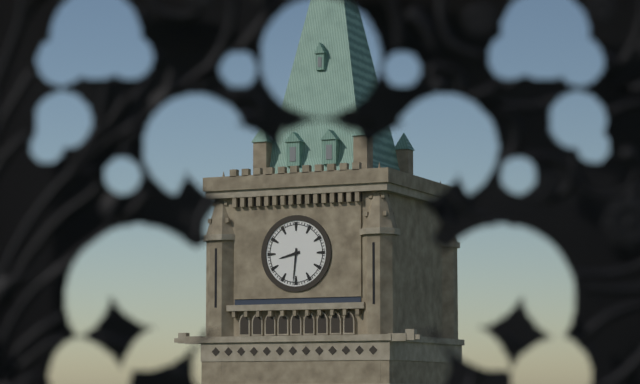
8:31
